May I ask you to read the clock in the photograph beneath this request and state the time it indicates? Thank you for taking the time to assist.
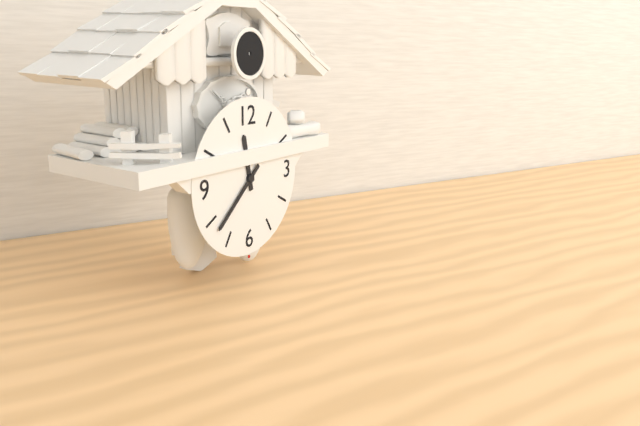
11:38
